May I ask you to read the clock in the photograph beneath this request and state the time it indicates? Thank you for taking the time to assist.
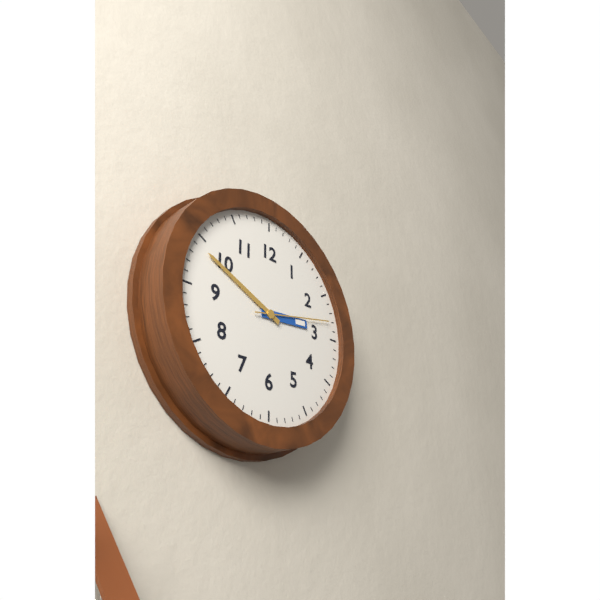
2:49:13
